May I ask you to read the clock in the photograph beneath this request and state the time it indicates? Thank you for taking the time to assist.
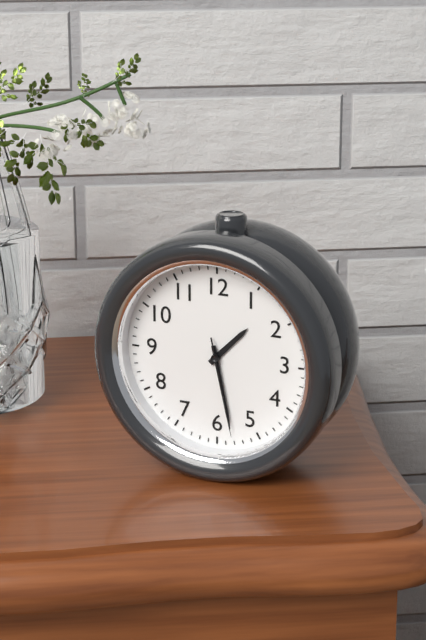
1:28:28
